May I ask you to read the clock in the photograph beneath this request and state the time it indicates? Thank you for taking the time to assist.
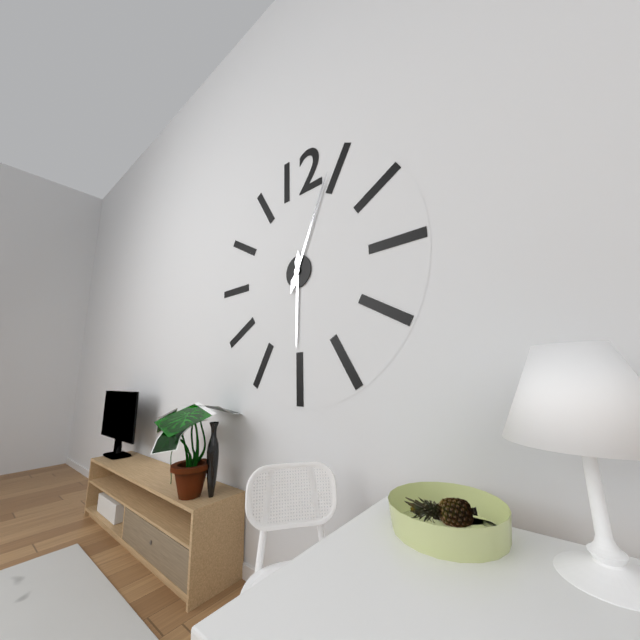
6:04
